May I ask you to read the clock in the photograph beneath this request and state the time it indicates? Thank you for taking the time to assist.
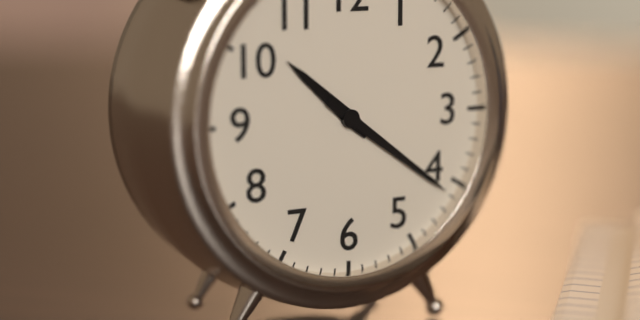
10:21
